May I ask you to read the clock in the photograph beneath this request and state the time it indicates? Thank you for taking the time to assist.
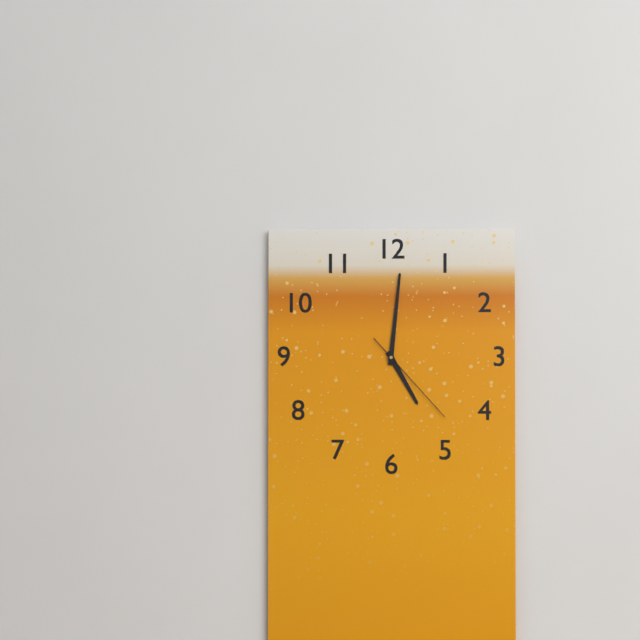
5:01:23
